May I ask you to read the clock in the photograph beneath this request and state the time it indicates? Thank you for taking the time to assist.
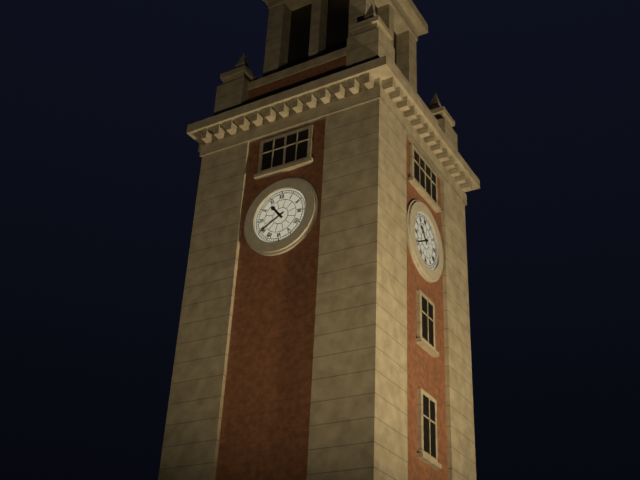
10:40
